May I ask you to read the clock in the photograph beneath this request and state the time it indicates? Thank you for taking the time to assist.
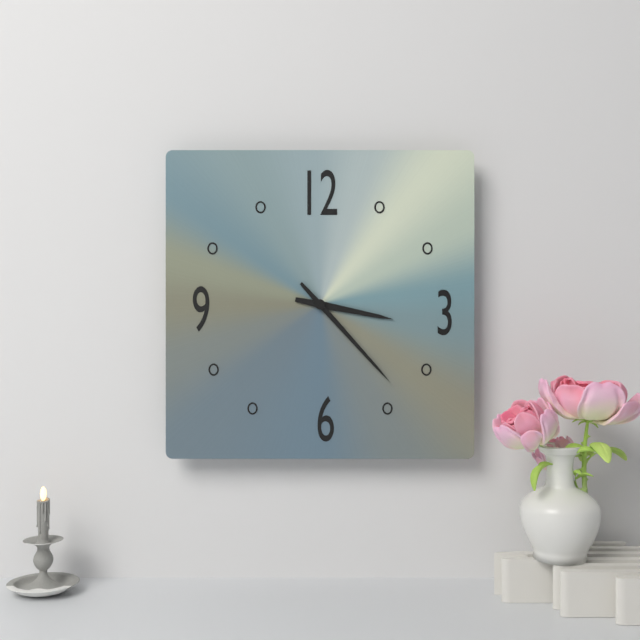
3:23
